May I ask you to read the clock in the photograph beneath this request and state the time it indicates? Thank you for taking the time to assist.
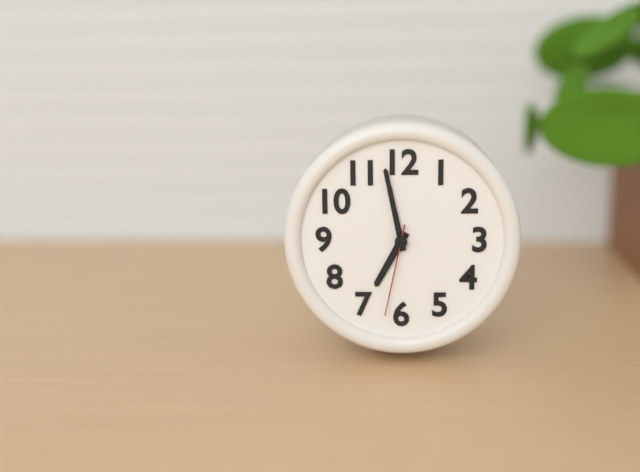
6:58:32
